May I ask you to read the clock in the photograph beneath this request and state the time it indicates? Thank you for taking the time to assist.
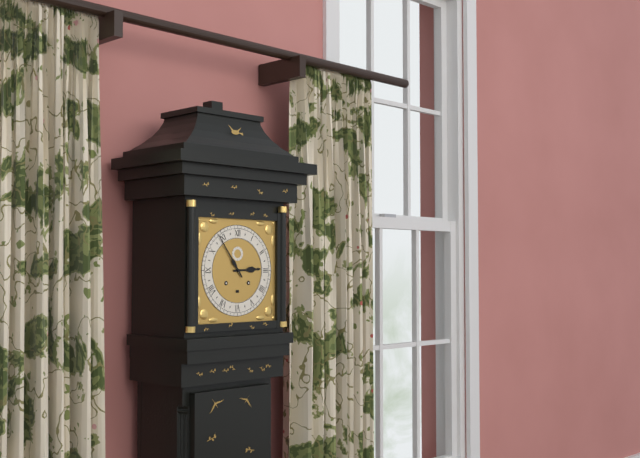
2:54
